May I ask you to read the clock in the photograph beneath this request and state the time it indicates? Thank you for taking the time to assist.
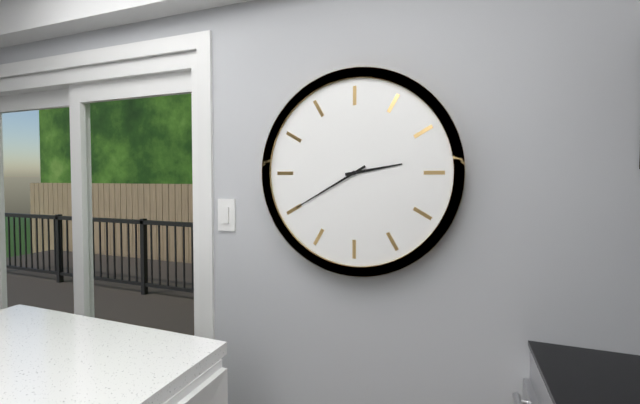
2:40
